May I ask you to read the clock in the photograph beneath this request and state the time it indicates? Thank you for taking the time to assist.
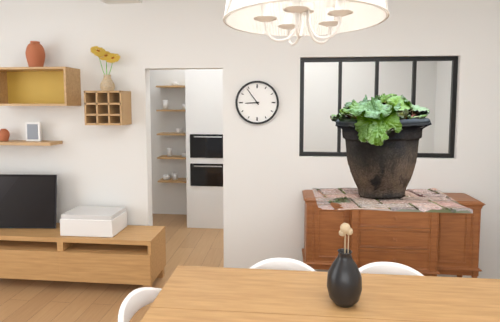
8:54
